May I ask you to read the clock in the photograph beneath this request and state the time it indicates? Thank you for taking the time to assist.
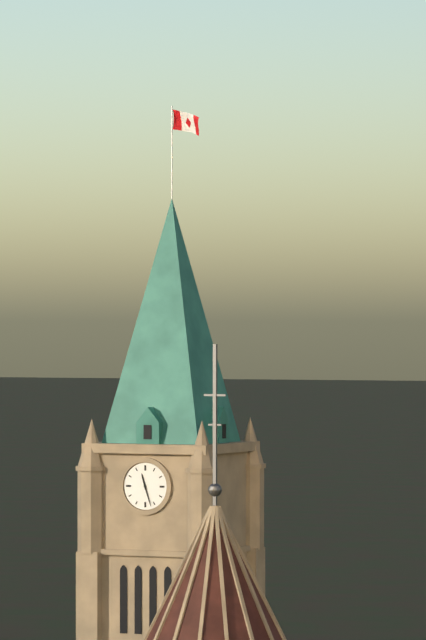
11:27
